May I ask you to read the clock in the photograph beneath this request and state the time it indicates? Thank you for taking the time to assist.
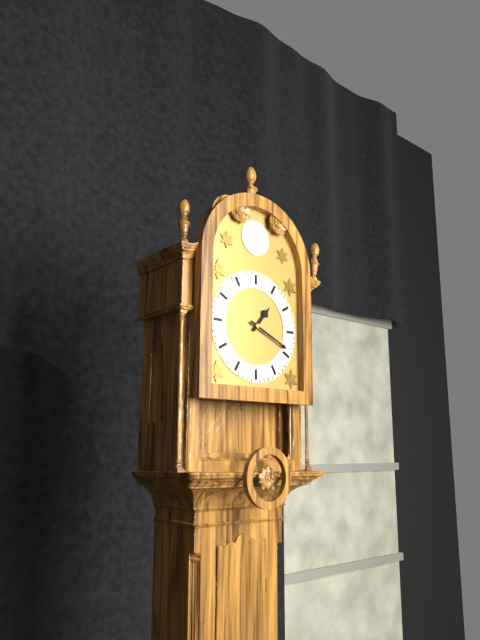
1:19
